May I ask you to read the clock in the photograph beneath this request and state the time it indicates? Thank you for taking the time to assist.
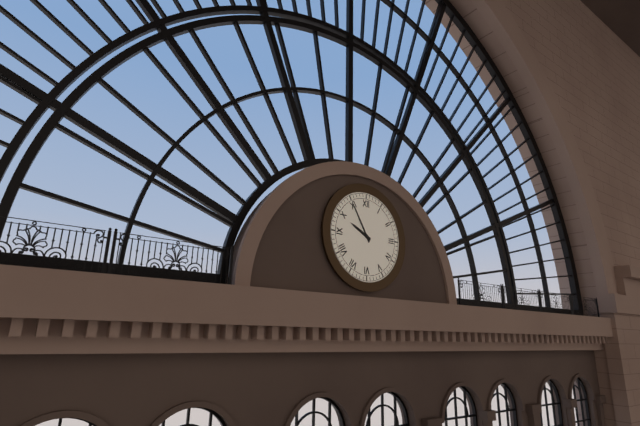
9:55
